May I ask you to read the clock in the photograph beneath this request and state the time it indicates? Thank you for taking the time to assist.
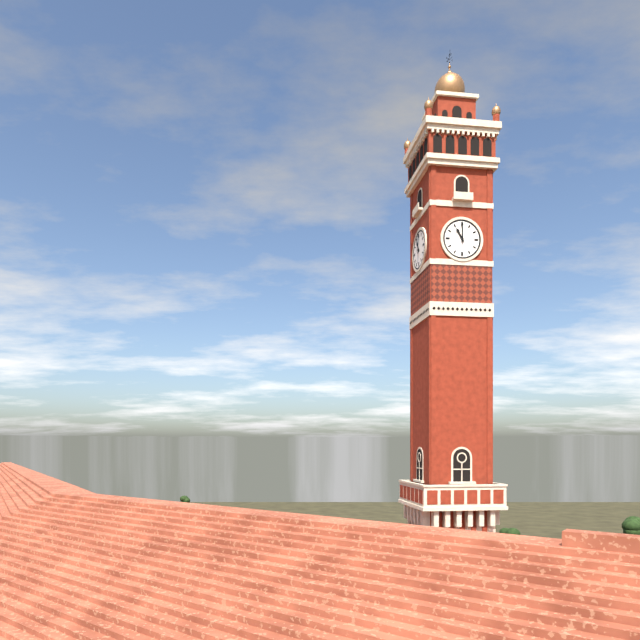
11:00
